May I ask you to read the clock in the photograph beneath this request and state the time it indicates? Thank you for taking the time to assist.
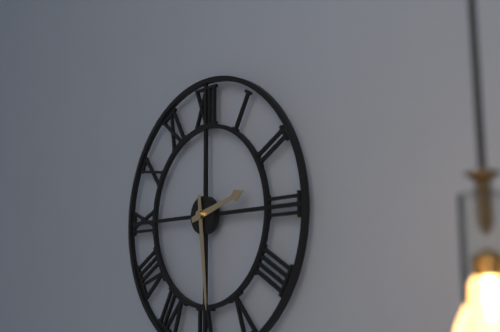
2:29
